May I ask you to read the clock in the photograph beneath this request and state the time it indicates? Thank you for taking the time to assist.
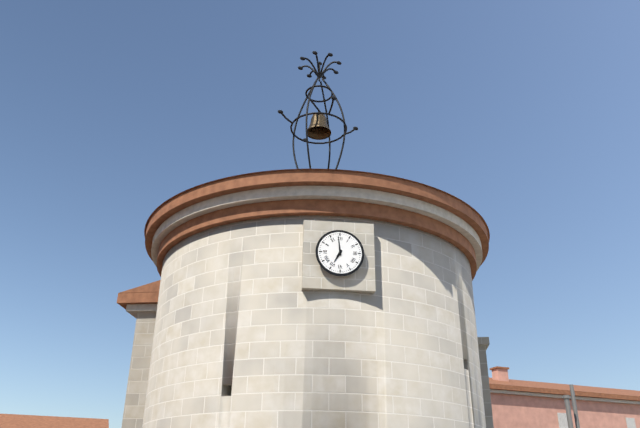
6:59
